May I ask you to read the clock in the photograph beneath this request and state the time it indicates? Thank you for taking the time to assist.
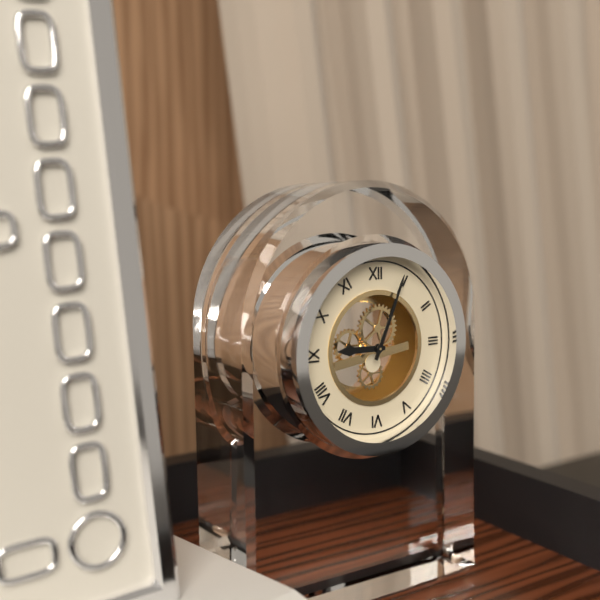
9:04
